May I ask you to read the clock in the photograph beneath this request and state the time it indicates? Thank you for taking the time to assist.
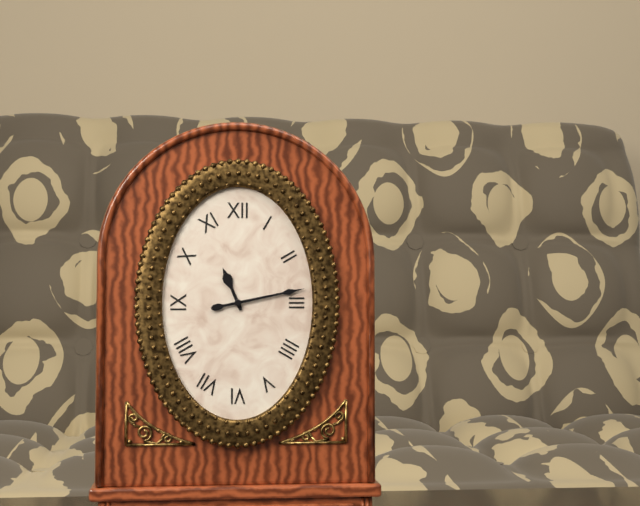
11:13
